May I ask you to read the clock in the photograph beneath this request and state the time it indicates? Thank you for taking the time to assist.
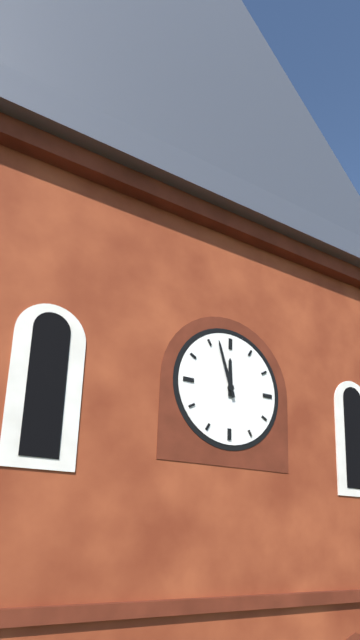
11:57
